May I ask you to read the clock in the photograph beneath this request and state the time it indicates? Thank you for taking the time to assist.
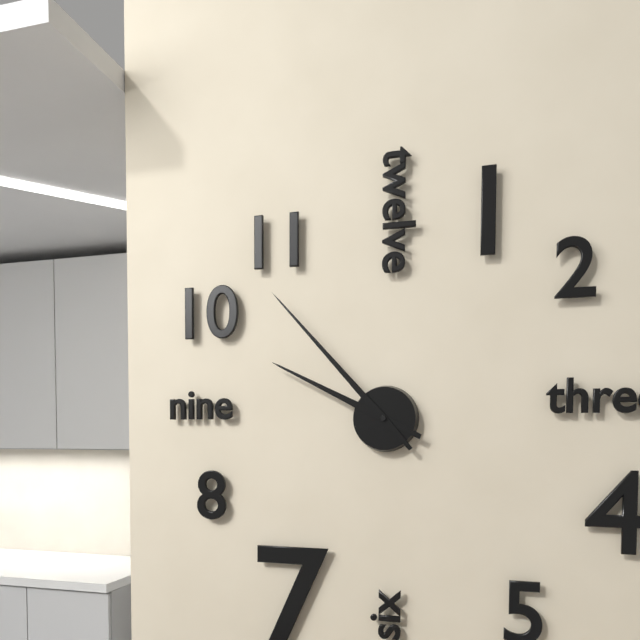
9:53
